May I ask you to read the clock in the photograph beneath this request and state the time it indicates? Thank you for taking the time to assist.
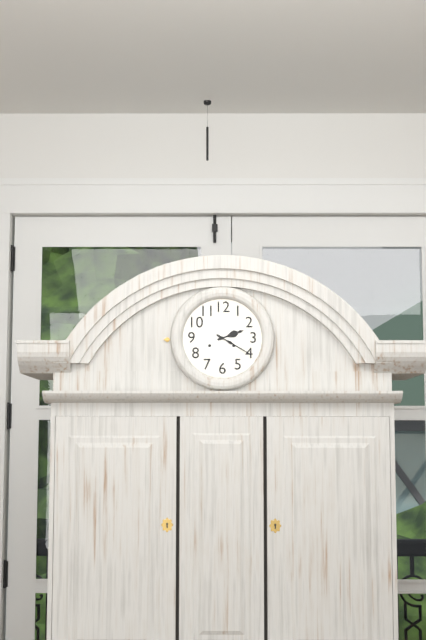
2:20
